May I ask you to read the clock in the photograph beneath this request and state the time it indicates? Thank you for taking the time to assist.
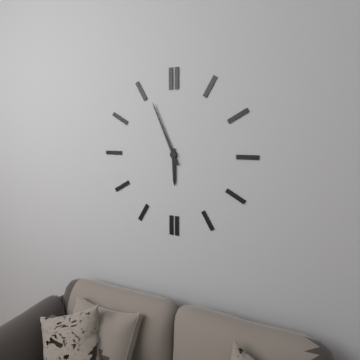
5:56
